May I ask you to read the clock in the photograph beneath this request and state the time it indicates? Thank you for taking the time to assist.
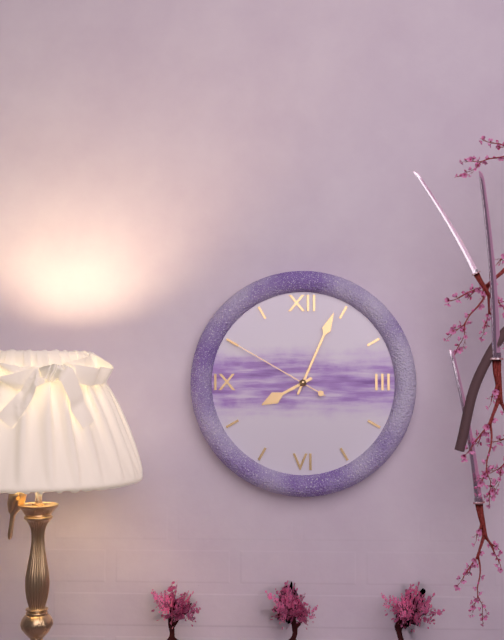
8:04:50
